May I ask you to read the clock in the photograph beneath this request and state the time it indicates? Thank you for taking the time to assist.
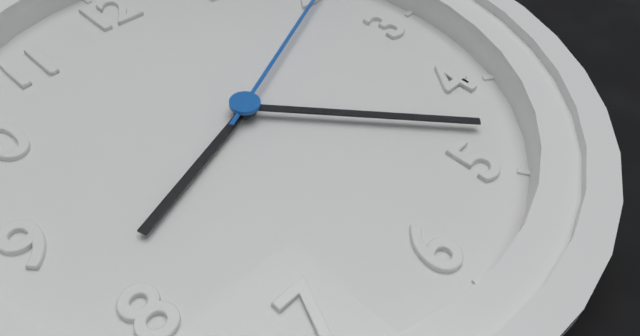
8:23
